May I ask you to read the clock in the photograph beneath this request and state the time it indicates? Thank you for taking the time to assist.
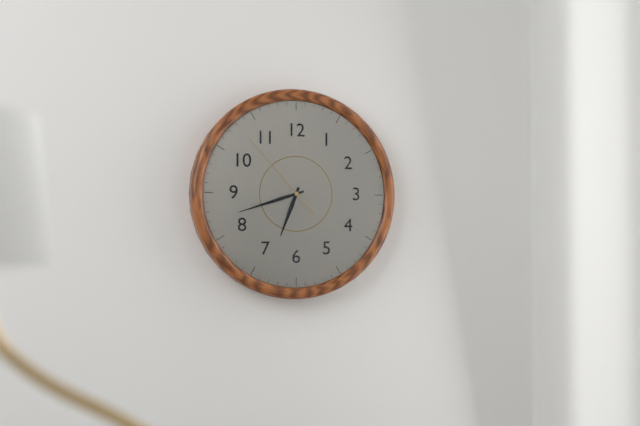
6:42:53
